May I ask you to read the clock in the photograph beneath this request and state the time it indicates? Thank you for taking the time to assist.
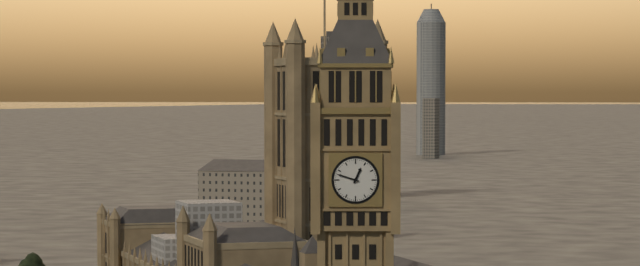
12:48
